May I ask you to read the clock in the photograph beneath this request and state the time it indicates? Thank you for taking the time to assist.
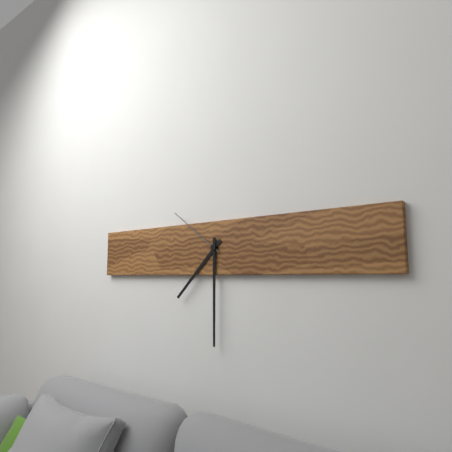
7:30:51
